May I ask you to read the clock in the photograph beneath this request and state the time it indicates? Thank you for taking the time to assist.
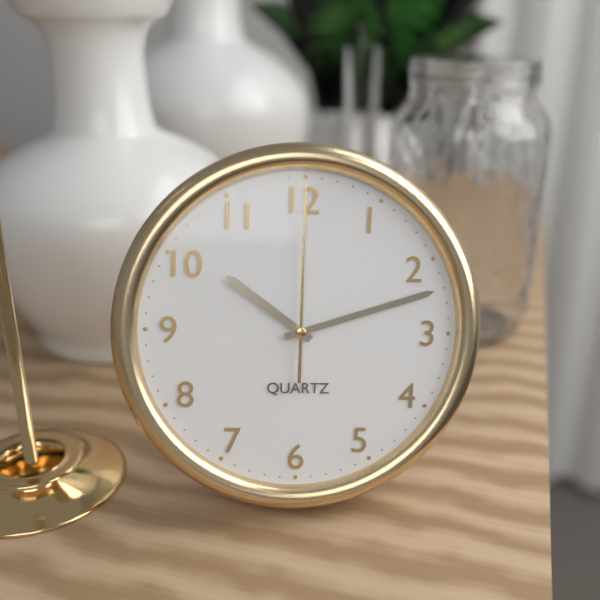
10:12:00
